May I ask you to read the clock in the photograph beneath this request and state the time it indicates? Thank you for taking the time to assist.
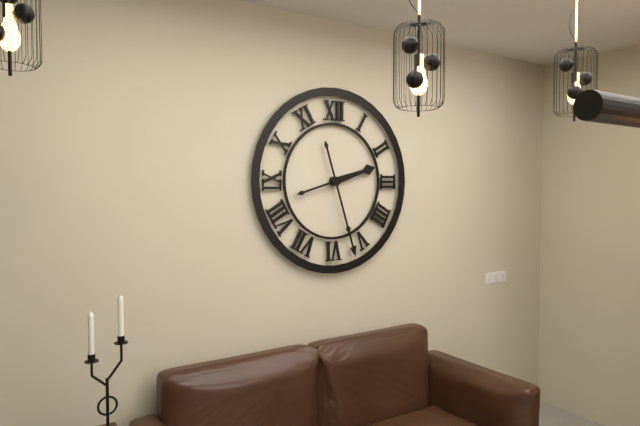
2:27
